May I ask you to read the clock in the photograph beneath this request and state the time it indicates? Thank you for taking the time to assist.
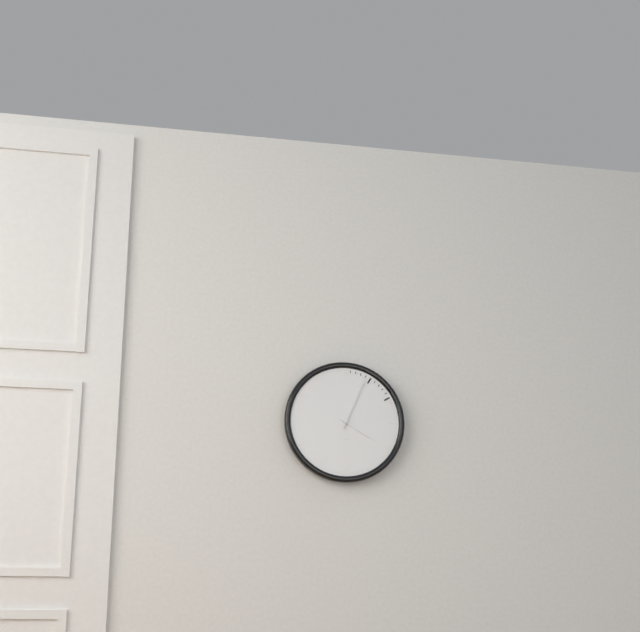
4:04
